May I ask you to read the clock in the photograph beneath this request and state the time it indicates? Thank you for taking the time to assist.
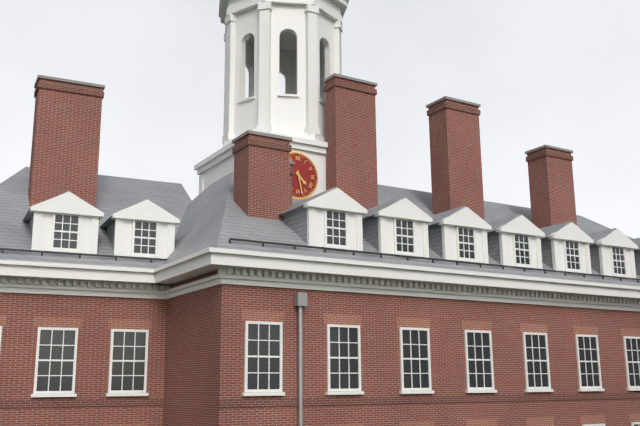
4:28
